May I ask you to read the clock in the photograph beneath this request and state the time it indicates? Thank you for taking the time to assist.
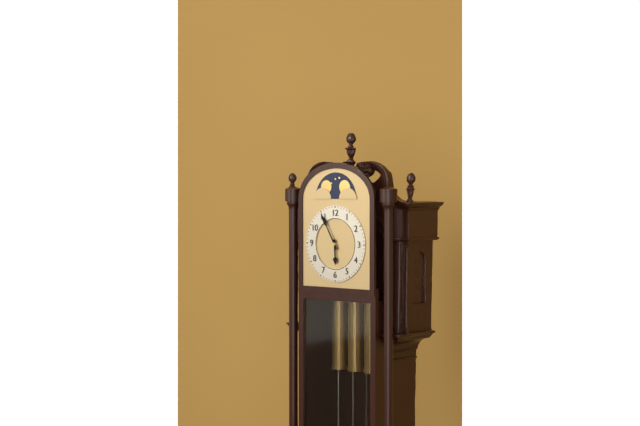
5:55
